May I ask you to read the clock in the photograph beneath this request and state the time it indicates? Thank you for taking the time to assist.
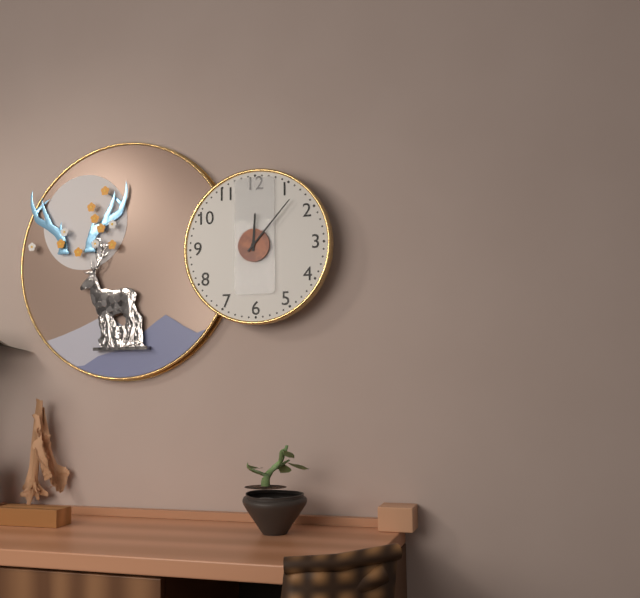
12:07
